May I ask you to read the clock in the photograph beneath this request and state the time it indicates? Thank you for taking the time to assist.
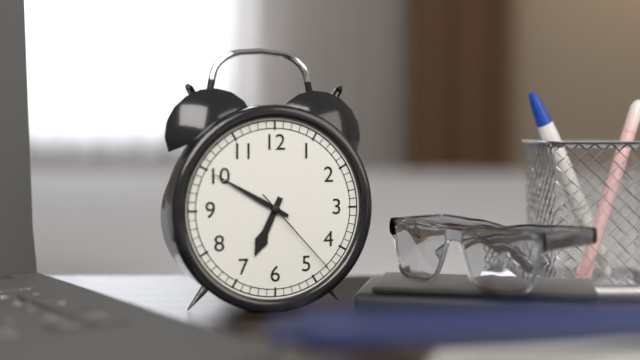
6:50:23
